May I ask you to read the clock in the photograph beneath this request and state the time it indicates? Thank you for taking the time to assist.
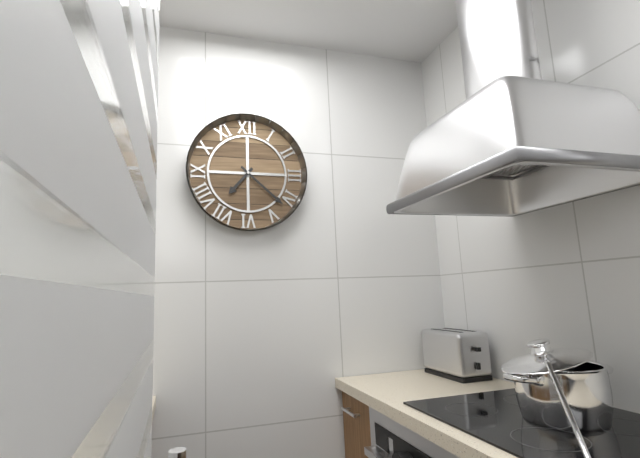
7:22
